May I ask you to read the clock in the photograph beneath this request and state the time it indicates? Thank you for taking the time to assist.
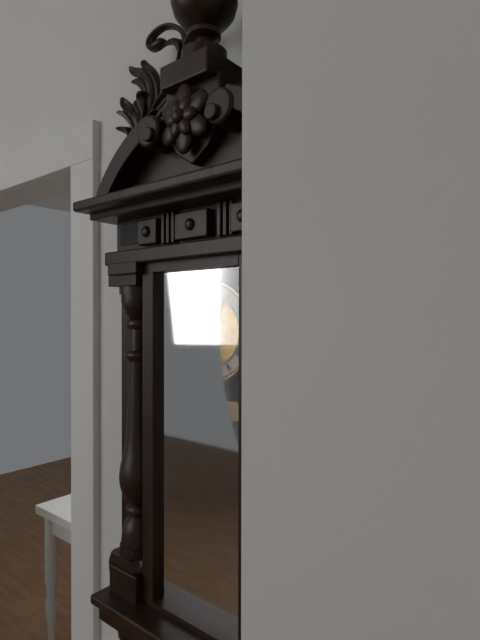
1:04
